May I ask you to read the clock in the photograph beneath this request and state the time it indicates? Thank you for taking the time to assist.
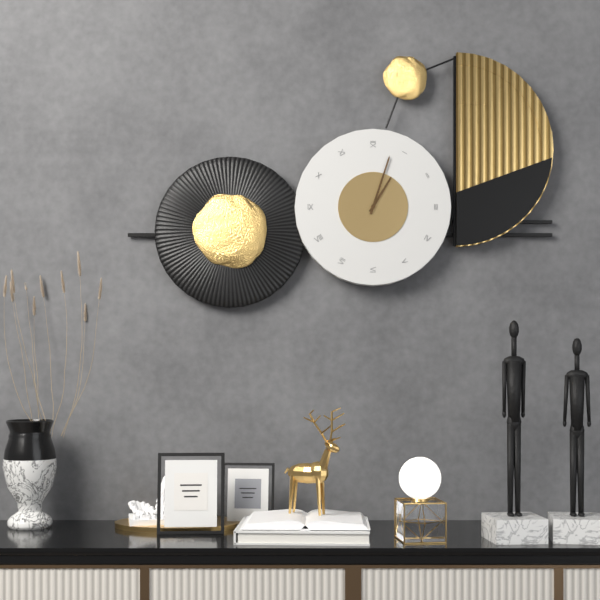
1:03
